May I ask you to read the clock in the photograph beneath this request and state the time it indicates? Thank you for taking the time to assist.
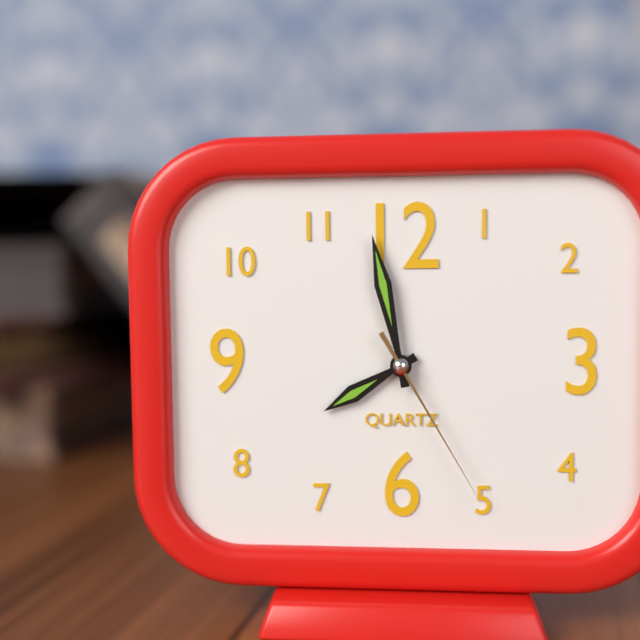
7:58:25
